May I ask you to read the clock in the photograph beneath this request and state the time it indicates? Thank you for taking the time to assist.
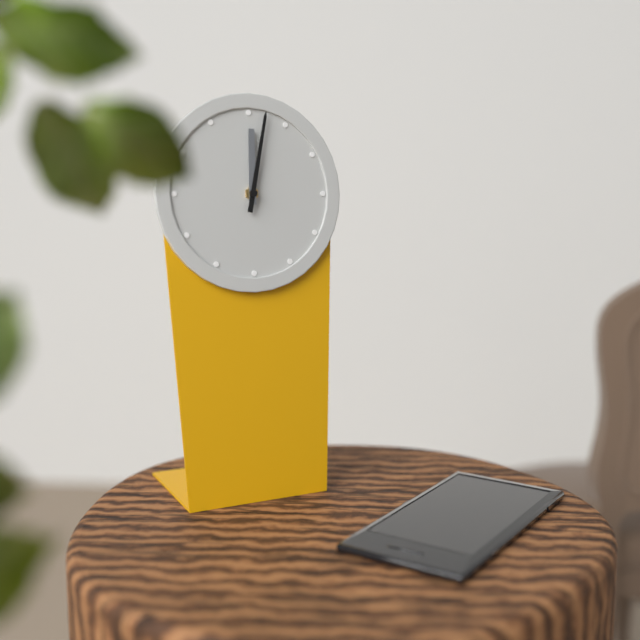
12:02
